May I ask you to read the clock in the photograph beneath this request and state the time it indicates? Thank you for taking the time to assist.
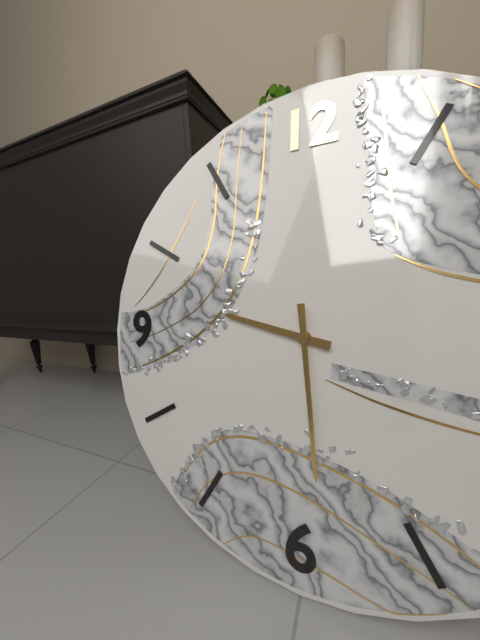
9:29
